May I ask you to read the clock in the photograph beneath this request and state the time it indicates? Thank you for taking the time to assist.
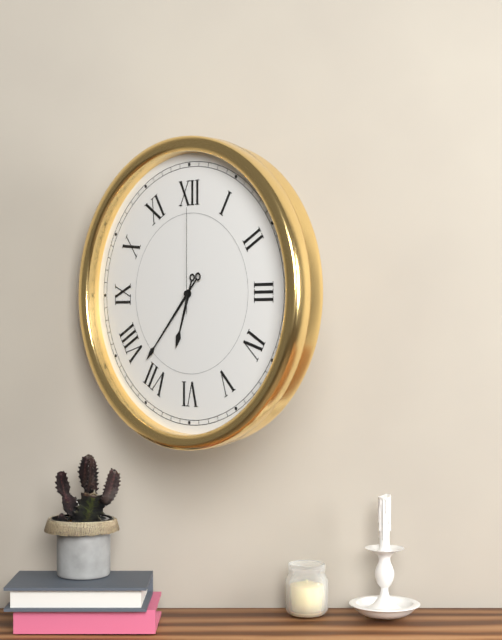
6:37:00
